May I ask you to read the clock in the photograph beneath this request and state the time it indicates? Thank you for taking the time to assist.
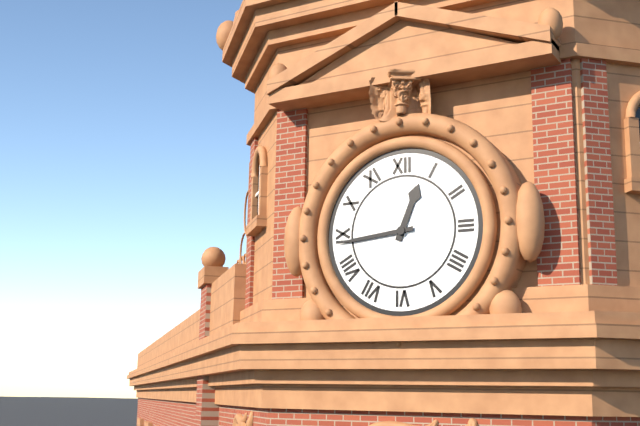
12:44
